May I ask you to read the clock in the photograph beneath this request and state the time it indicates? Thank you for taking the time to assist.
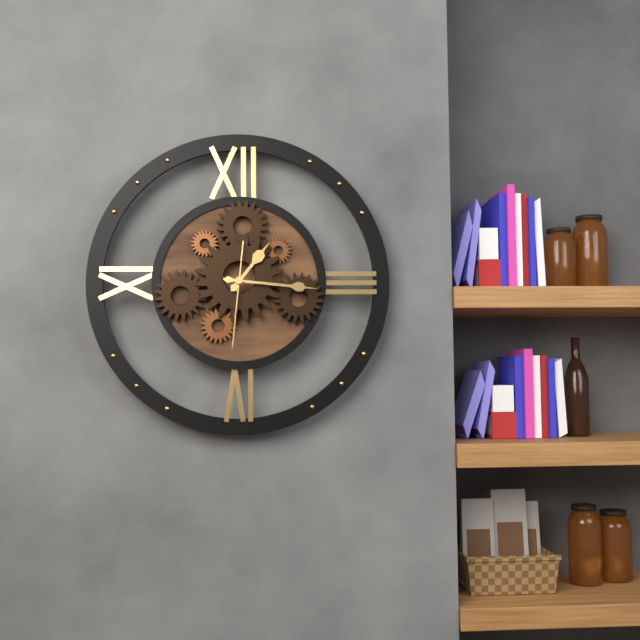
1:16:31
